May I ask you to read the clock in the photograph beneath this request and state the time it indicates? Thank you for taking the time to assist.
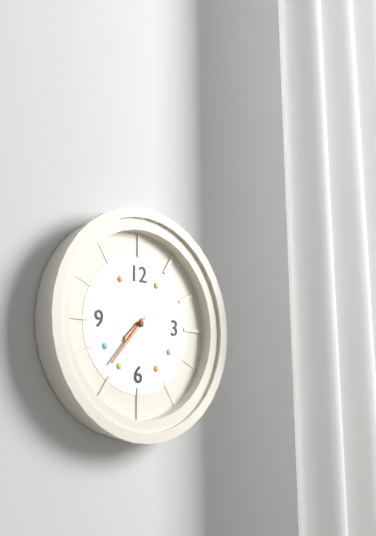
7:37
